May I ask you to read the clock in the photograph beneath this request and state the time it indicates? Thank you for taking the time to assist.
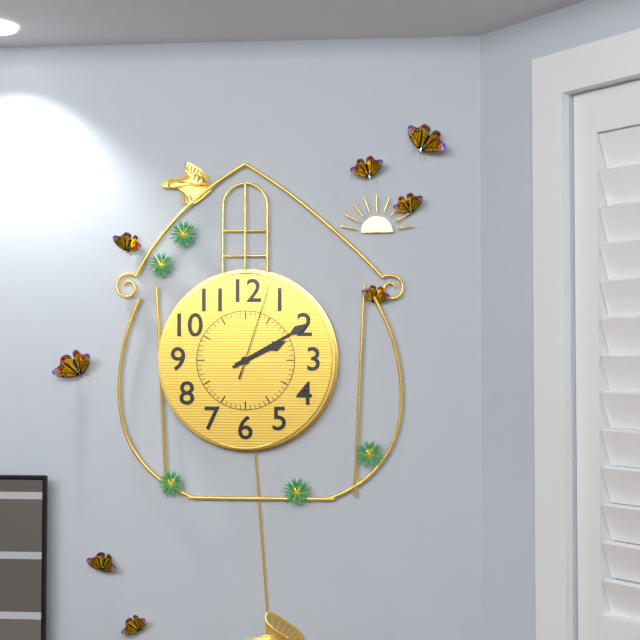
2:10:03
